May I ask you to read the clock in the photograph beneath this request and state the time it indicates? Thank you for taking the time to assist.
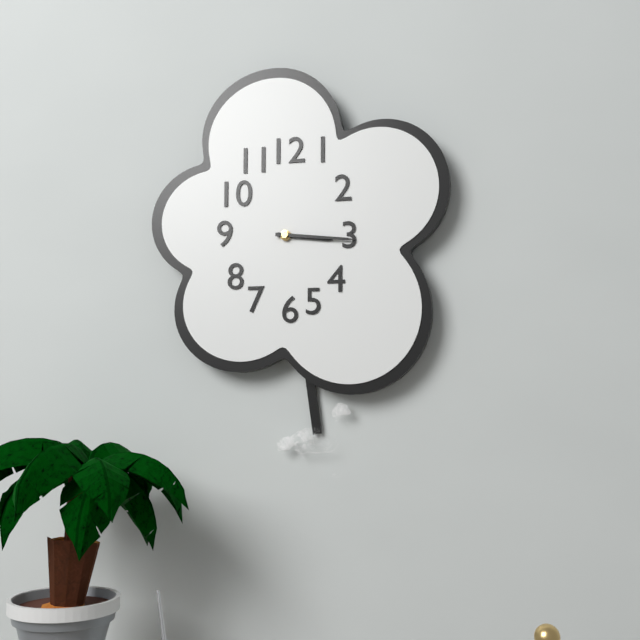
3:16
